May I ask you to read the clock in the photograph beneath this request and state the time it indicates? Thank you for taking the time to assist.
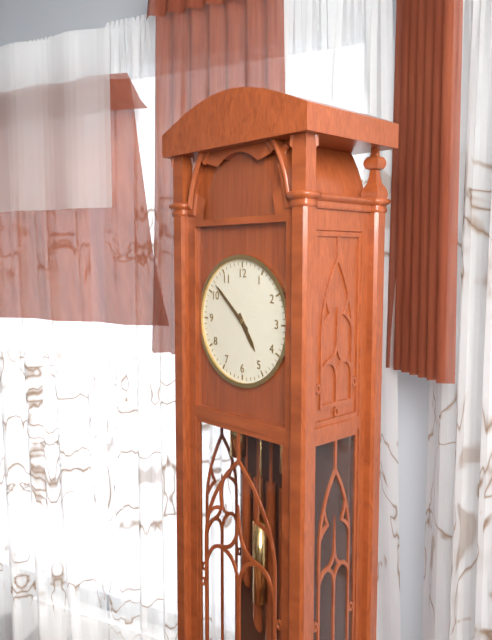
4:52
